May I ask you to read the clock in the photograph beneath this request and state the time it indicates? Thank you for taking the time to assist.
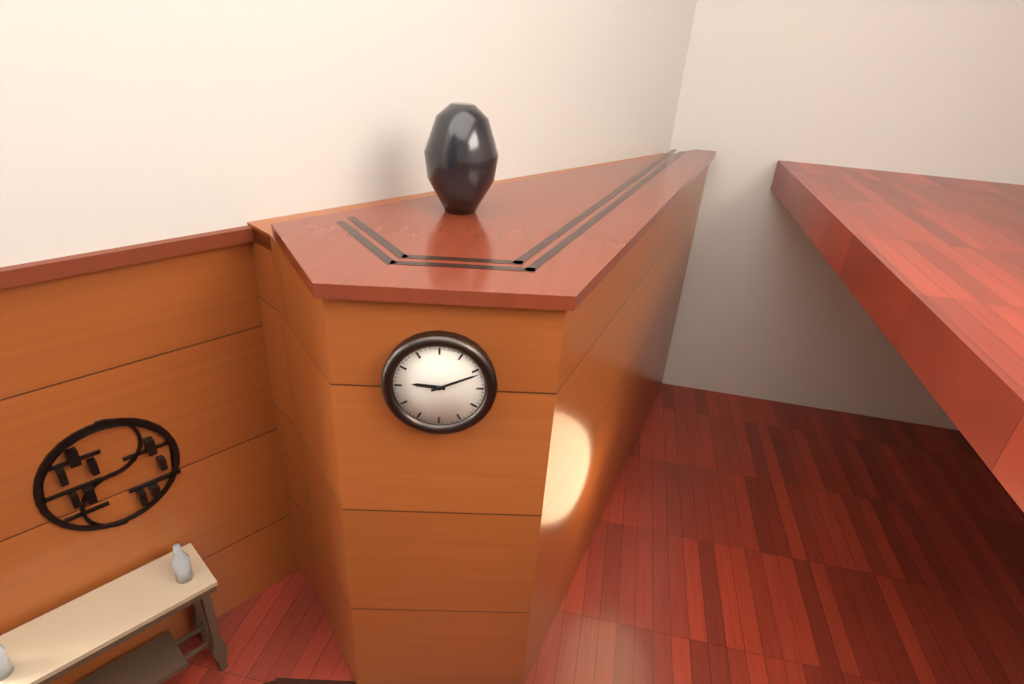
9:11
